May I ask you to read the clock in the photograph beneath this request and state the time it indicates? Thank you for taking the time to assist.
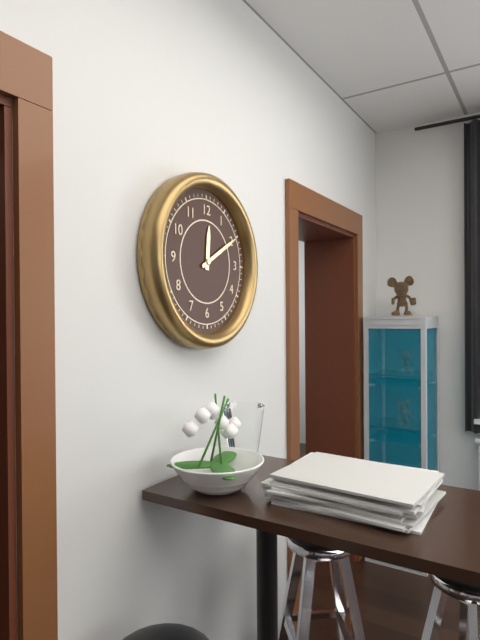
12:10
